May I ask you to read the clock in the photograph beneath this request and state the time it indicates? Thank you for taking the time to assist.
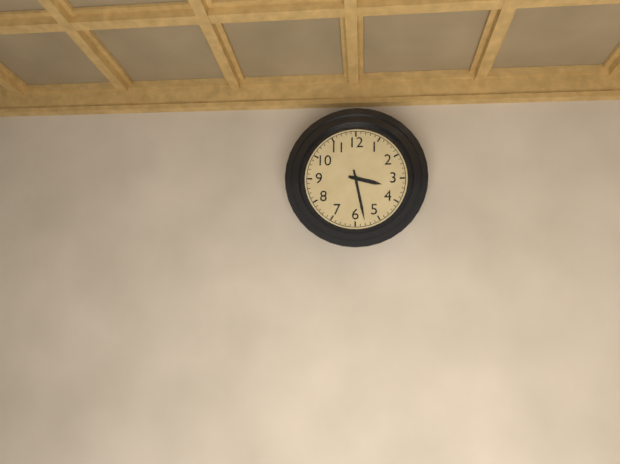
3:28
